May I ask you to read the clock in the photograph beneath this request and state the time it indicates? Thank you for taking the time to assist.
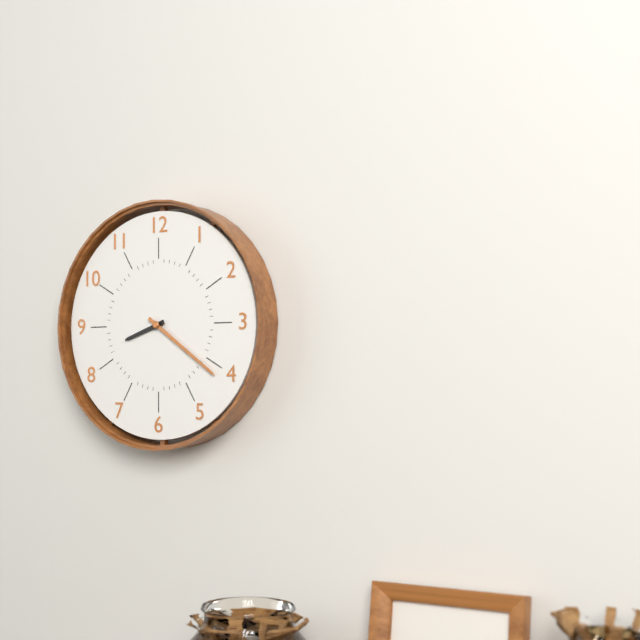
8:21
